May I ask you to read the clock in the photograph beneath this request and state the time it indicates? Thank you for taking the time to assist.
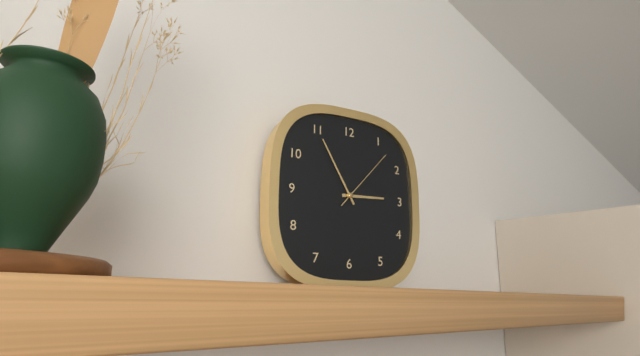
2:55:07
